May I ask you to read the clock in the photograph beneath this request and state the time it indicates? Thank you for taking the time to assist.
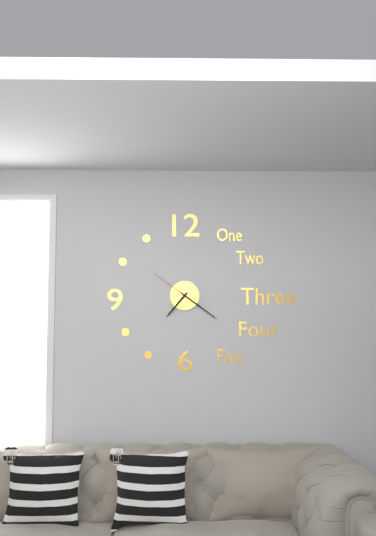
7:21:51
